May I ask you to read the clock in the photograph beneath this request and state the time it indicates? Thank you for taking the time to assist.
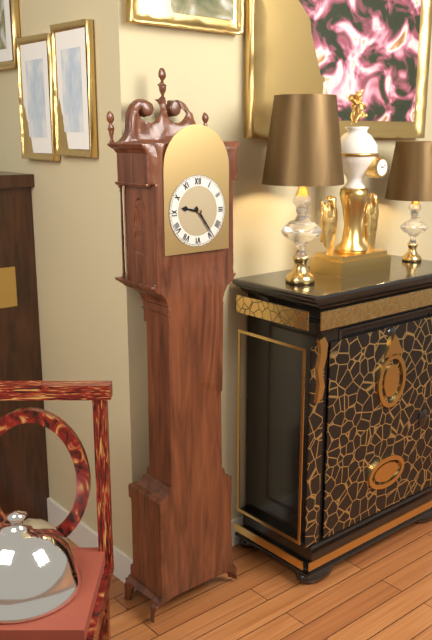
9:24
